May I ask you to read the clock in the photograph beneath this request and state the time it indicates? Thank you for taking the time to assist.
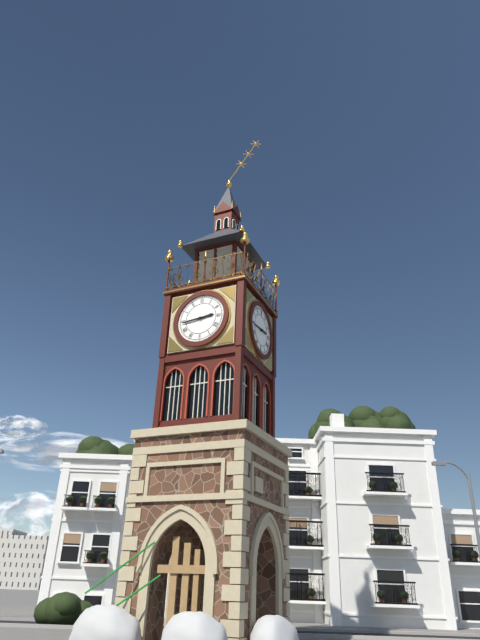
2:44
